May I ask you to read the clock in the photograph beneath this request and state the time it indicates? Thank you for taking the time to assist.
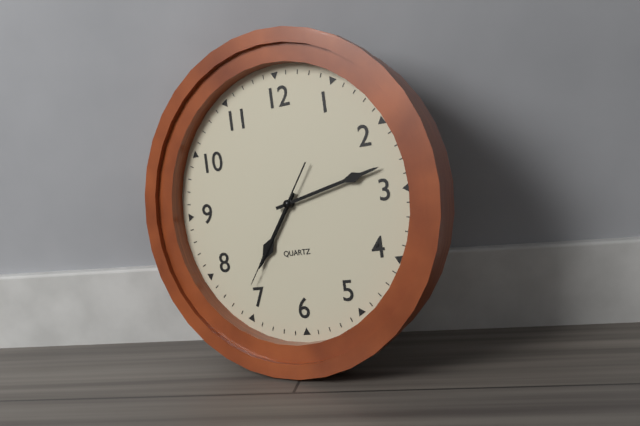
7:13:36
